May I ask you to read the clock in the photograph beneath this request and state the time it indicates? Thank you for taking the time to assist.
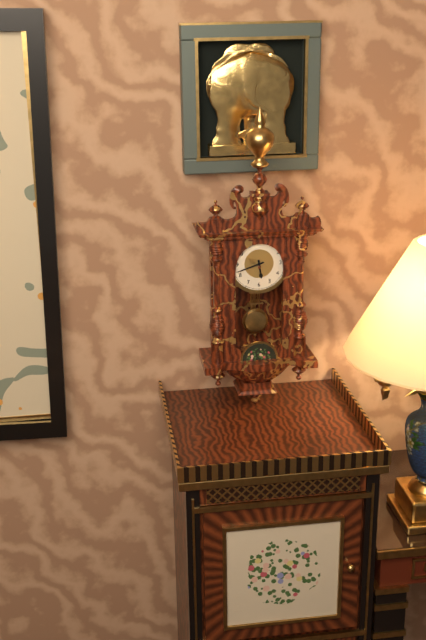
5:42
